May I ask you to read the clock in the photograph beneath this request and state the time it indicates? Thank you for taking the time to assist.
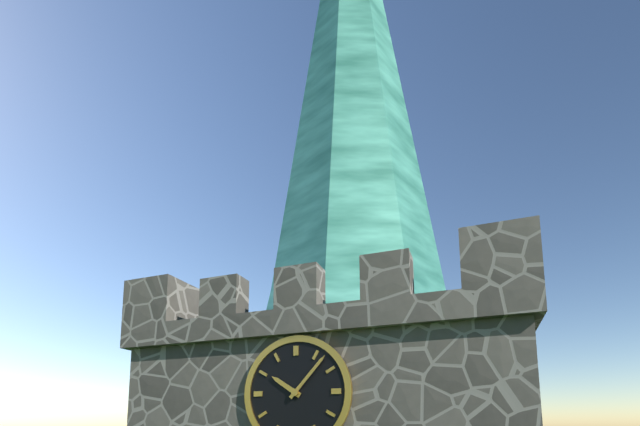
10:07
